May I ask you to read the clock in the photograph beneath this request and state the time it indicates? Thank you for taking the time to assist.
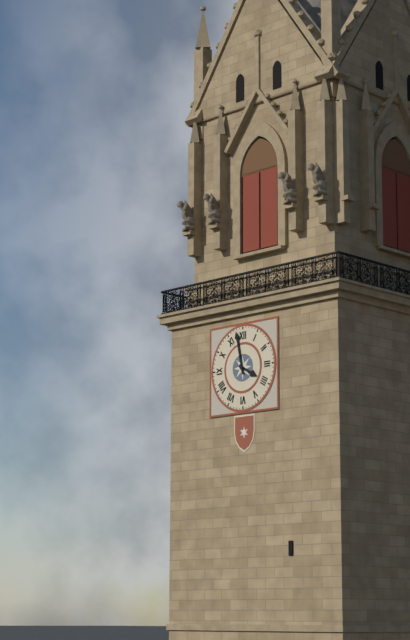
3:58
